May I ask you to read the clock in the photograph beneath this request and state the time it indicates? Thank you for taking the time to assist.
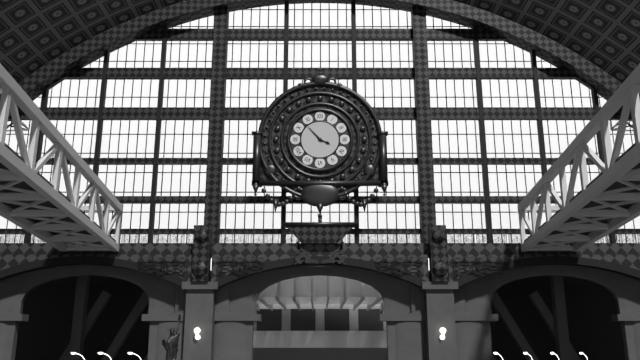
3:53
